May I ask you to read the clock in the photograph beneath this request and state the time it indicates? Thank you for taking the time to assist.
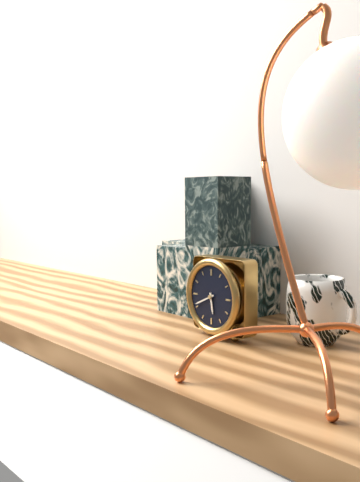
5:41
